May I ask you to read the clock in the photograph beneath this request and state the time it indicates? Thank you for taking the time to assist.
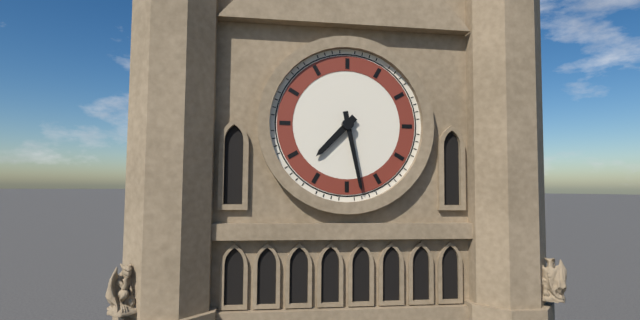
7:28
